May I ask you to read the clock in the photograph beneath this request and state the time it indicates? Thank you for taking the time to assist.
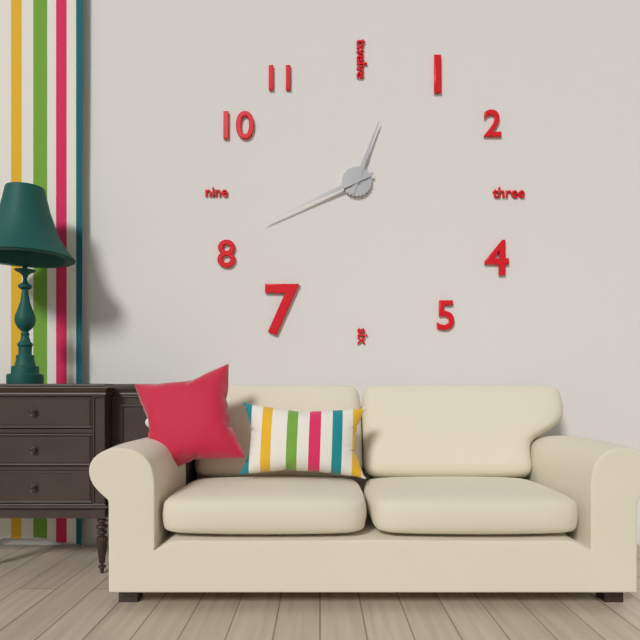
12:41
